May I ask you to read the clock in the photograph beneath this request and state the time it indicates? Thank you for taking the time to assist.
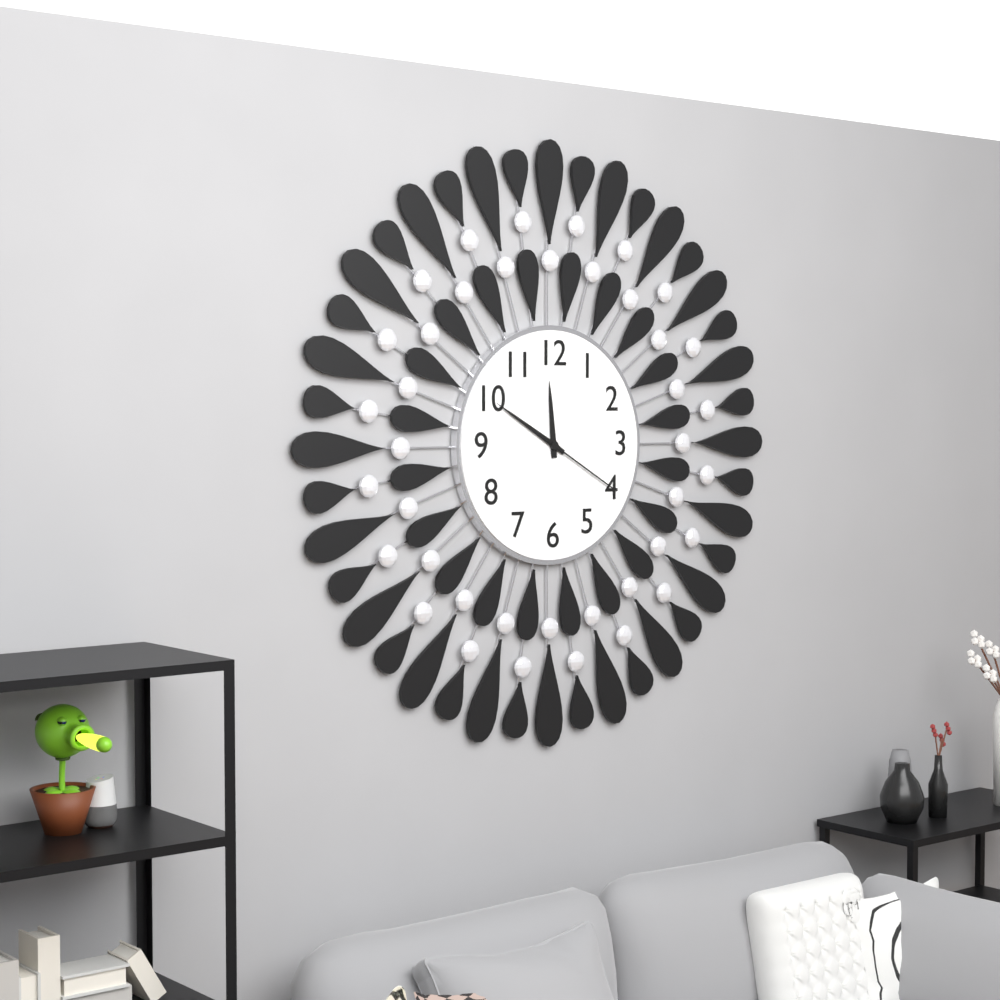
11:50:20
